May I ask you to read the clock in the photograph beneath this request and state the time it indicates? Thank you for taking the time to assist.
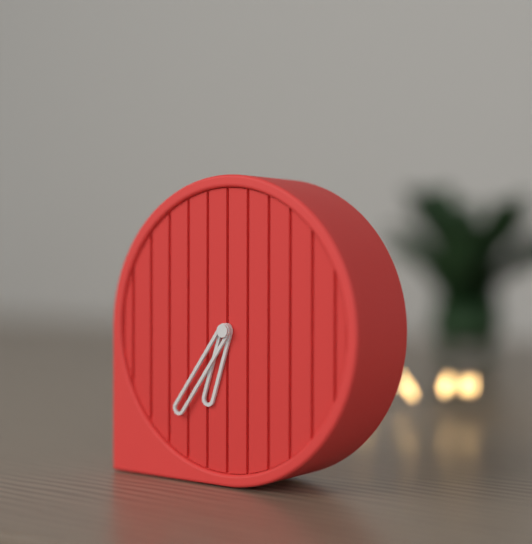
6:36
